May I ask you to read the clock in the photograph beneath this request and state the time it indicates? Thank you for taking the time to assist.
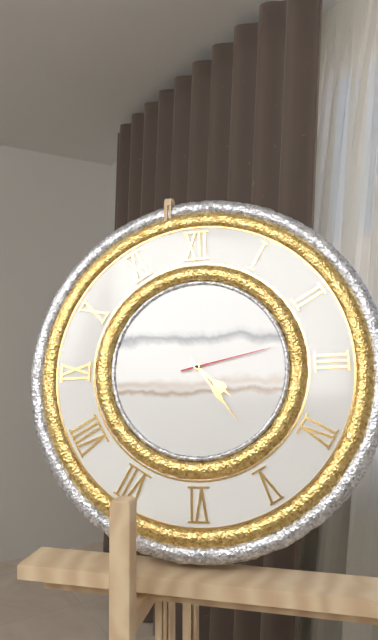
4:24:13
